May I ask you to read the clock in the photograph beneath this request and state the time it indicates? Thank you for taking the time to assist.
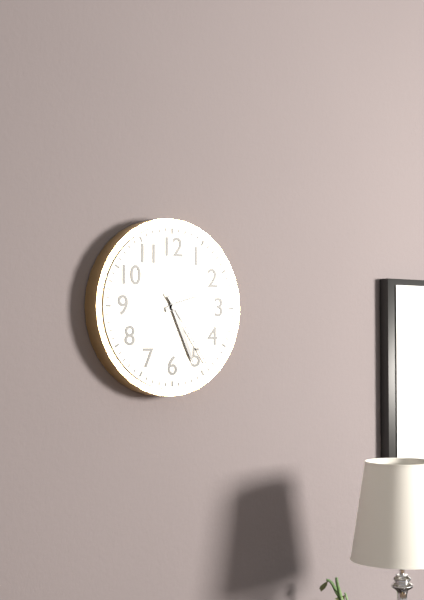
2:26:24
